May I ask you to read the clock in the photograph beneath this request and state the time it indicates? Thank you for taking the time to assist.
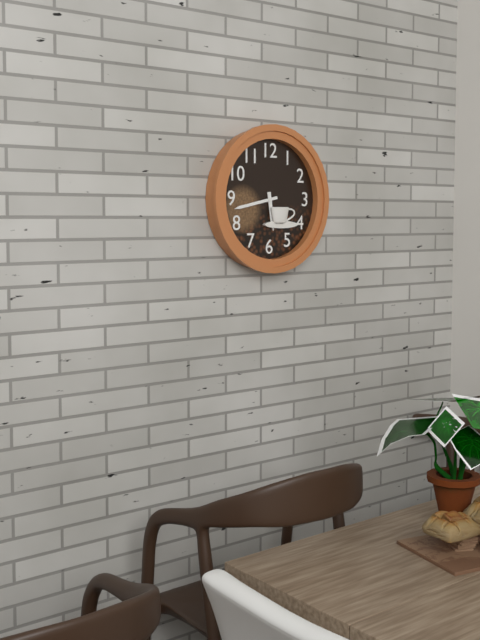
5:43
